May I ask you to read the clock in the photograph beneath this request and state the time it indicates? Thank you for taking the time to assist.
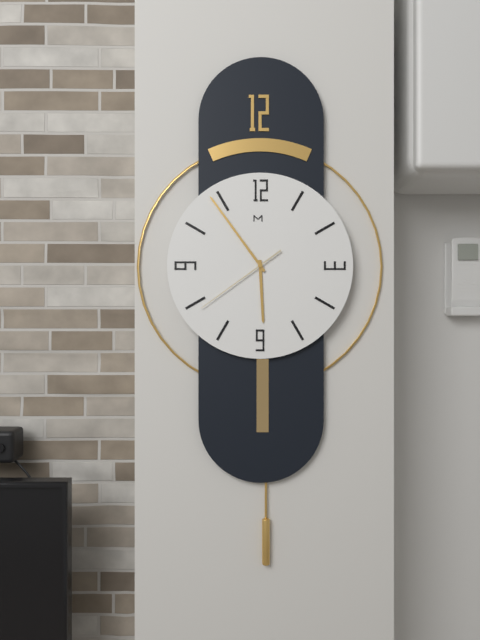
5:54:39
